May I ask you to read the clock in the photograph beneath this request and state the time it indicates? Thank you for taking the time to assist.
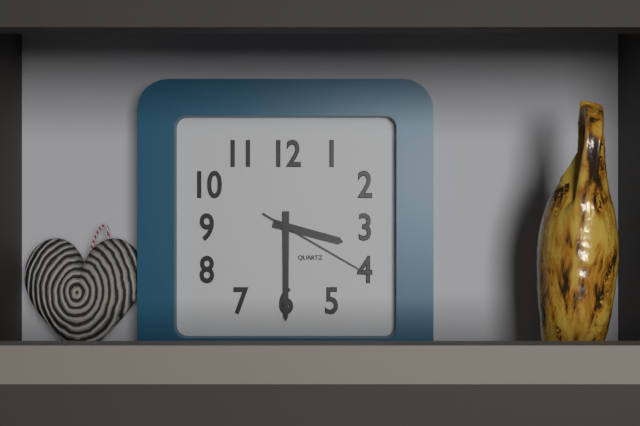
3:30:20
